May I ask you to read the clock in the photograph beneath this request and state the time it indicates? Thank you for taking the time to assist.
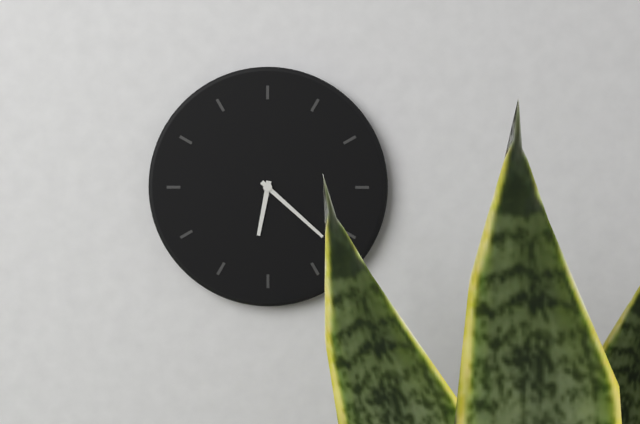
6:22
